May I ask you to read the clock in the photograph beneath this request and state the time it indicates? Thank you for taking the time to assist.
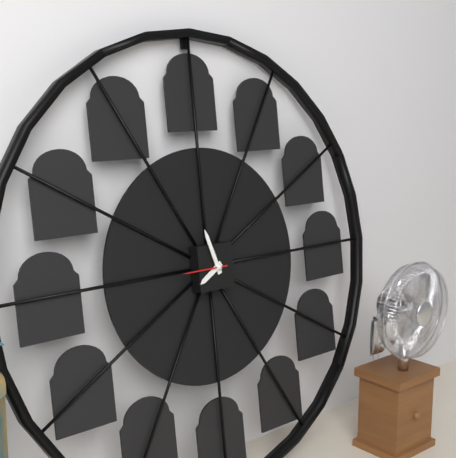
7:57
